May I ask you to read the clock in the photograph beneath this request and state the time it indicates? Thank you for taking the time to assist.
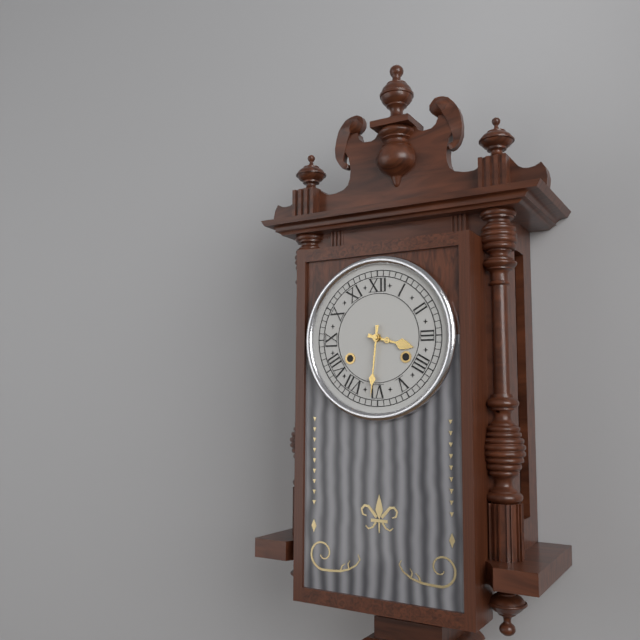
3:31
